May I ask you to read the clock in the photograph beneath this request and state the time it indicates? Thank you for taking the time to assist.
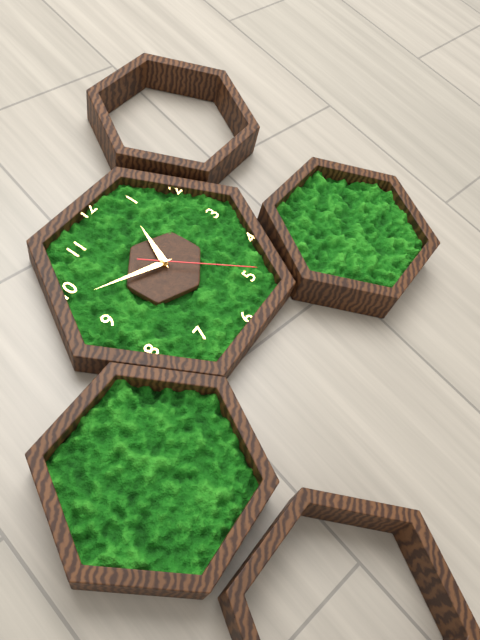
12:49:24
